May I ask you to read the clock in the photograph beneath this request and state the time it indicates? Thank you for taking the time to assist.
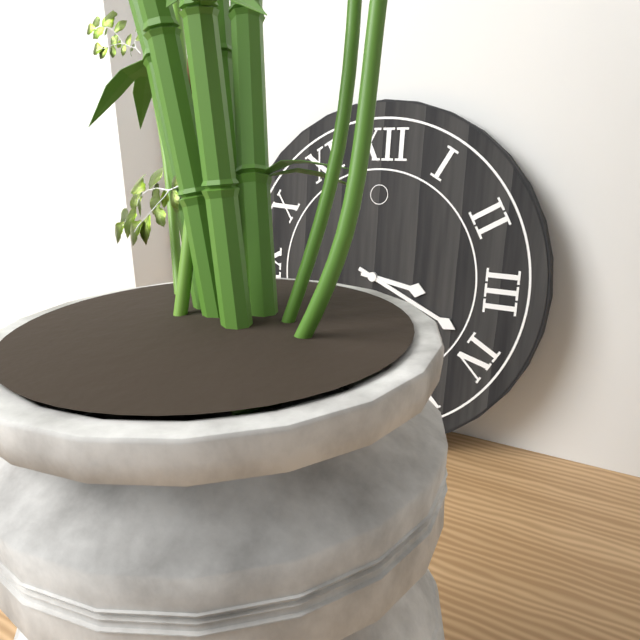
3:19
